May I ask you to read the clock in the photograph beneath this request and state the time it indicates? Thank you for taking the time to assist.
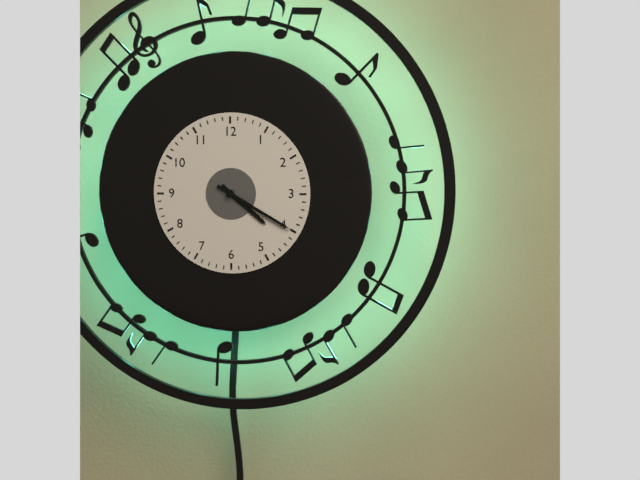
4:20
